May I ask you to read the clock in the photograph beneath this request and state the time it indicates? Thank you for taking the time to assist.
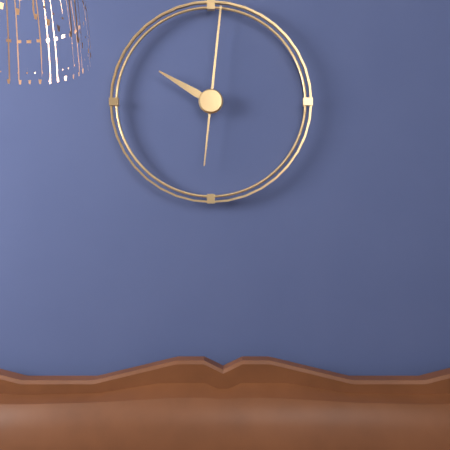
10:01
